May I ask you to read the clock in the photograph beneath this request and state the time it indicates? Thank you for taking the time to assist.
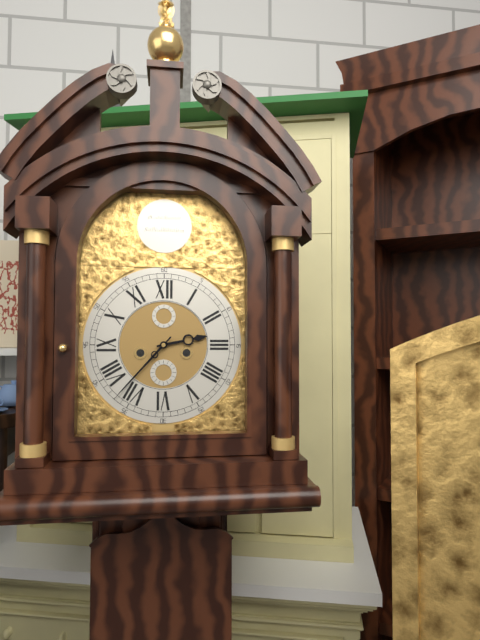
2:37
